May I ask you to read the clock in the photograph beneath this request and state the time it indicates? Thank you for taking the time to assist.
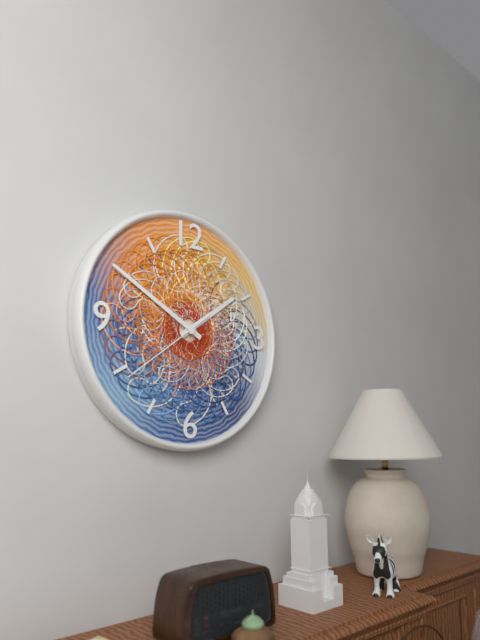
1:50:39
